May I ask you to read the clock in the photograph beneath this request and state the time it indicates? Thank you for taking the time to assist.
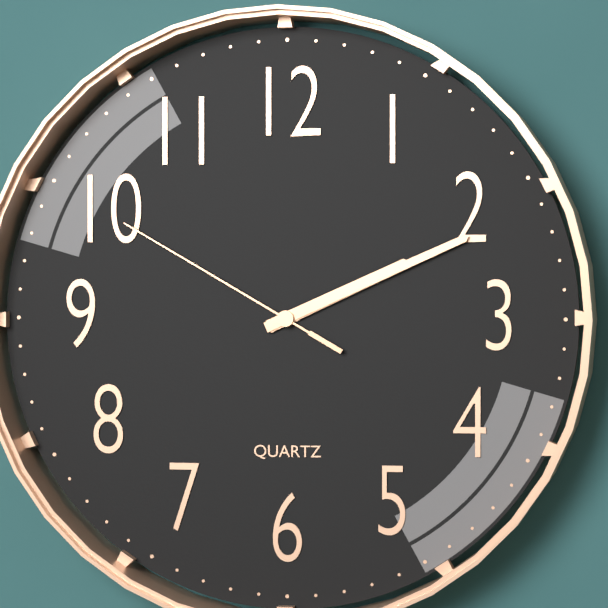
2:11:50
